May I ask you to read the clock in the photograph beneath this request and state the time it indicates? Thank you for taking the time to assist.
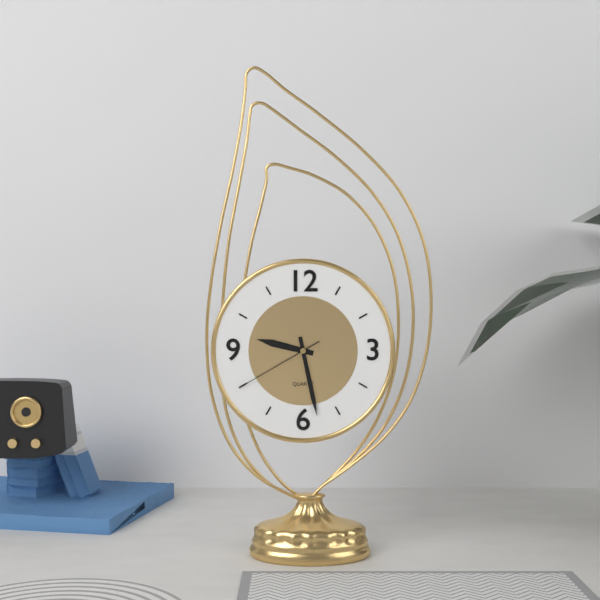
9:28:40
